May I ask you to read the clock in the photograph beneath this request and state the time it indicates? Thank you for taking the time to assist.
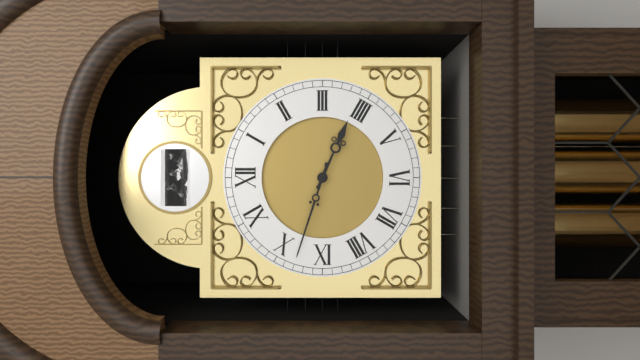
3:48
